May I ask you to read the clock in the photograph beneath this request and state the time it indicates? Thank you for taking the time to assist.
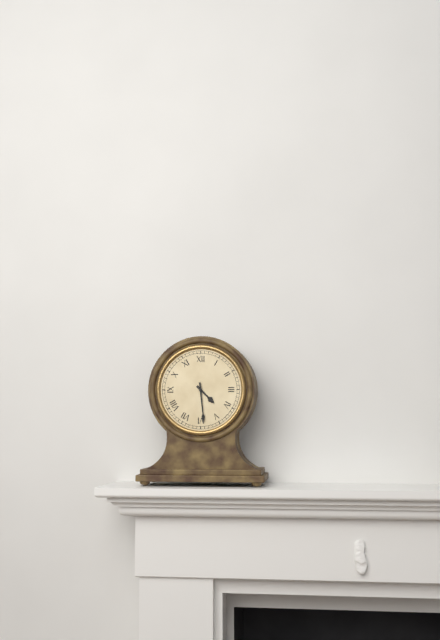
4:29
